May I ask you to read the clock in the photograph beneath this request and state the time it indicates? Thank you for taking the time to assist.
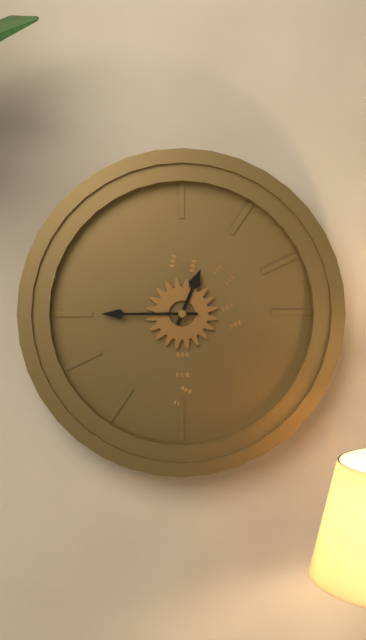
12:45
